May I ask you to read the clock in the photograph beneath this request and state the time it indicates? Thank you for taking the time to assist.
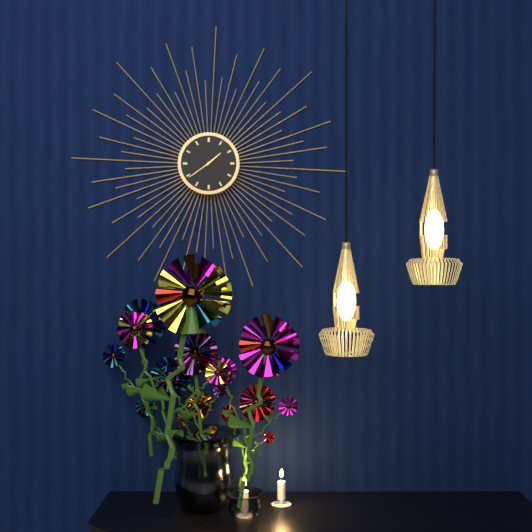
1:39
